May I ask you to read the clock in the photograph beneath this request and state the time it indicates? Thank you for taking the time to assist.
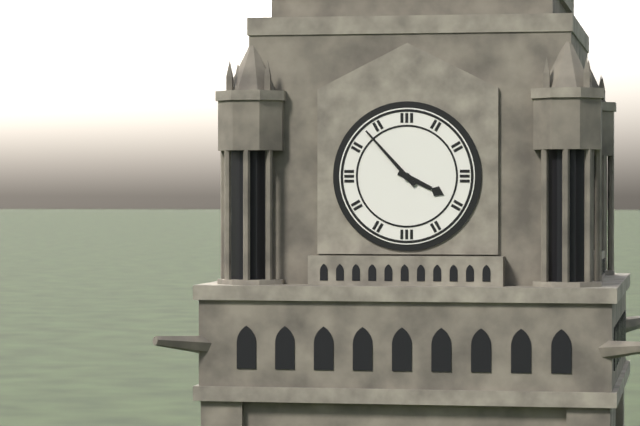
3:53
